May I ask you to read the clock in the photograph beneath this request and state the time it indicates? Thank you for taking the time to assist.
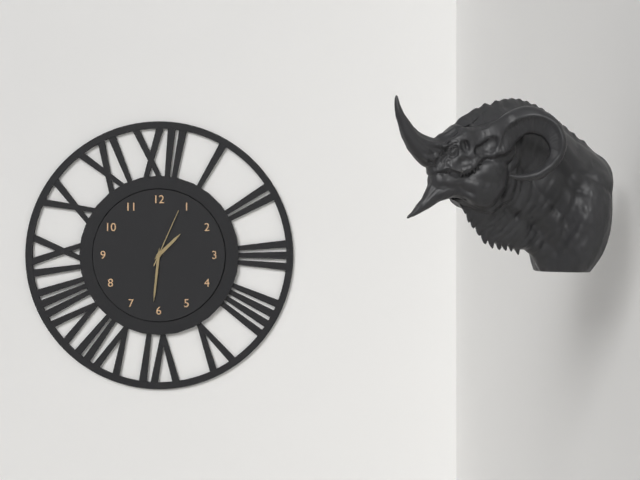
1:31:04
